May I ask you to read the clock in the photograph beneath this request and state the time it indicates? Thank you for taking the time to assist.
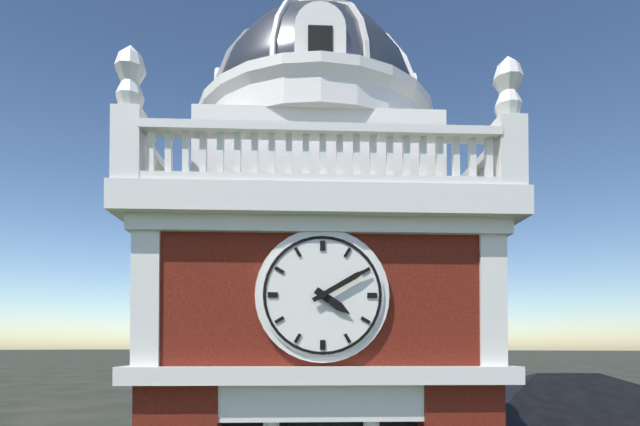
4:10
